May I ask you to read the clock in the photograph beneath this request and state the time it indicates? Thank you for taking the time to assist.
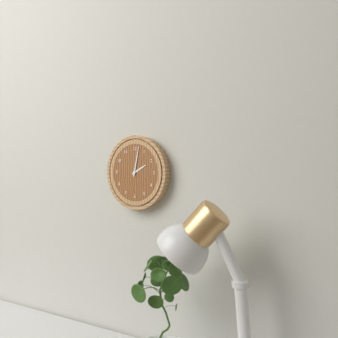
2:02
